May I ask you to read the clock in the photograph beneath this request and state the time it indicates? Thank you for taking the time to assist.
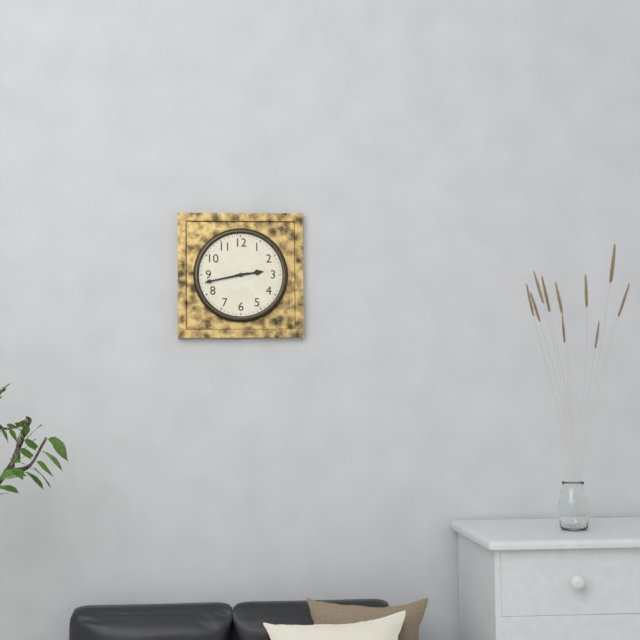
2:43
